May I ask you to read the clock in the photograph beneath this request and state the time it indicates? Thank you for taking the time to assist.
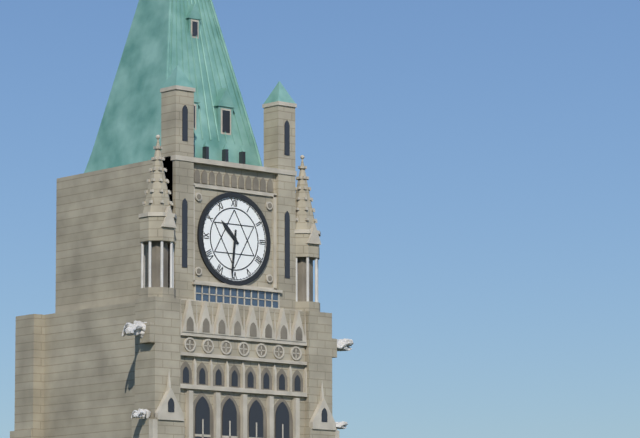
10:31
